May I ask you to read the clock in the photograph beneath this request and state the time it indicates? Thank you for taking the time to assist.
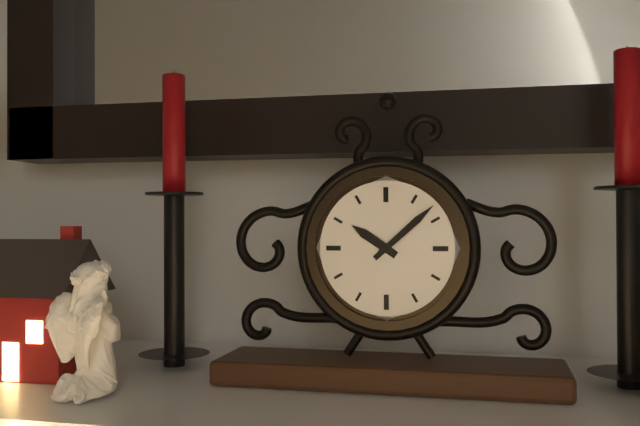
10:08
